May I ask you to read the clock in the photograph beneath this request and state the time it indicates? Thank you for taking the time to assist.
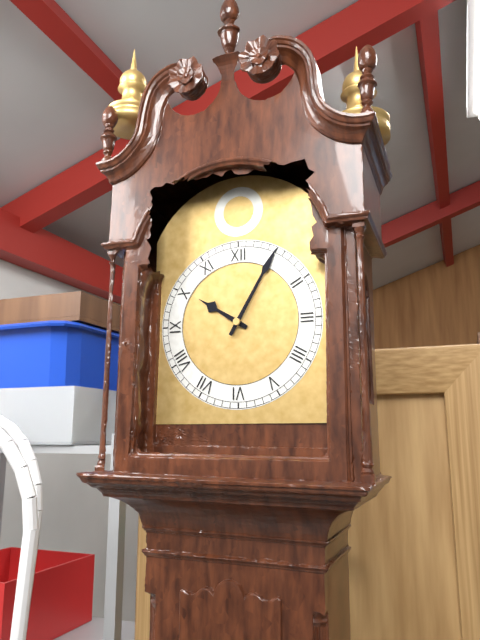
10:05
